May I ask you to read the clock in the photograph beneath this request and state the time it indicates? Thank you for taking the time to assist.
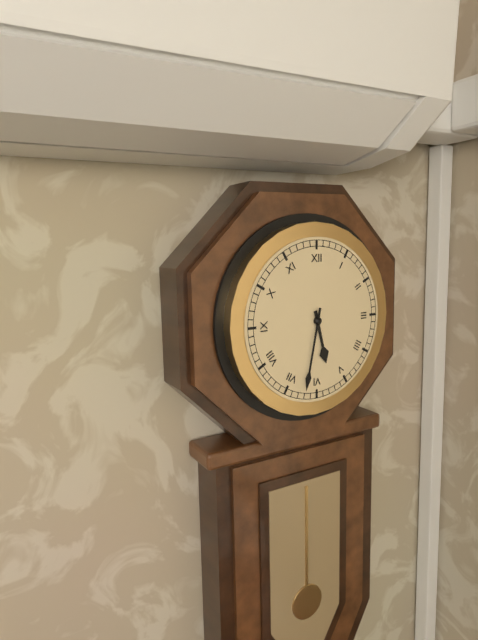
5:32
